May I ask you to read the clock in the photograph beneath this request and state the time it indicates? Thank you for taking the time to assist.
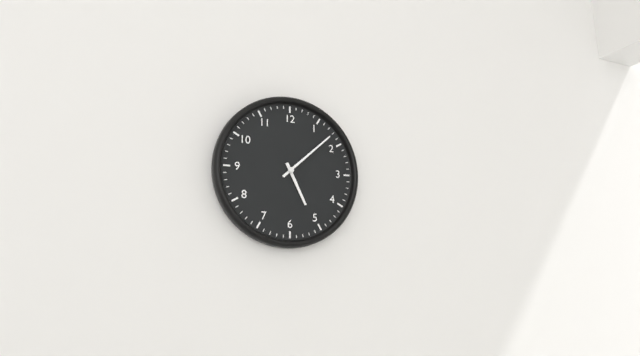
5:08
